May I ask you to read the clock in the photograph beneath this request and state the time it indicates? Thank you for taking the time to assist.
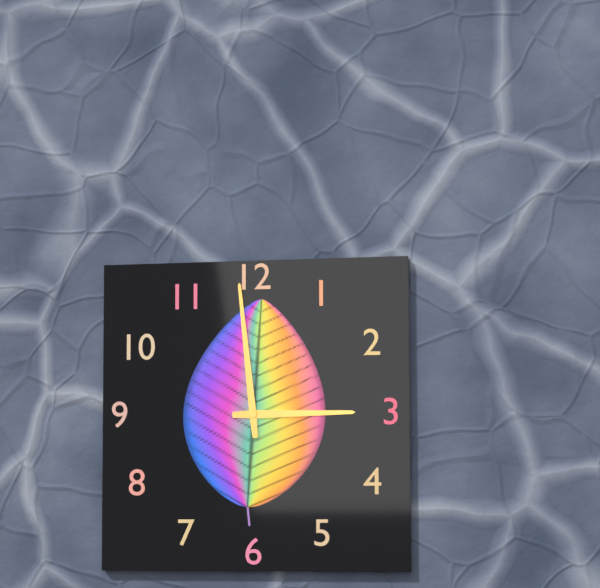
2:59
